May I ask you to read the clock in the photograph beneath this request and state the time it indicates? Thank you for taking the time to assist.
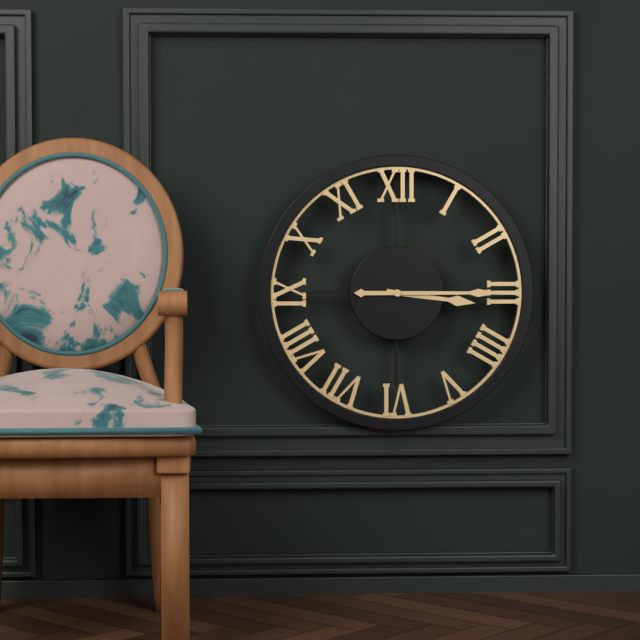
3:15
